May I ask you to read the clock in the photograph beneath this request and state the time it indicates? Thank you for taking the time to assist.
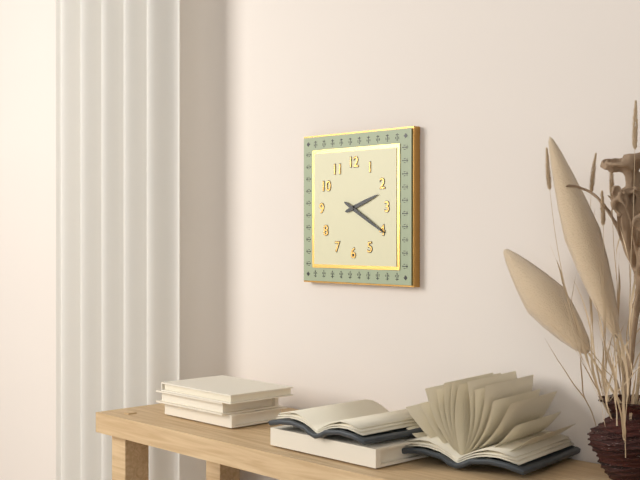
2:20
